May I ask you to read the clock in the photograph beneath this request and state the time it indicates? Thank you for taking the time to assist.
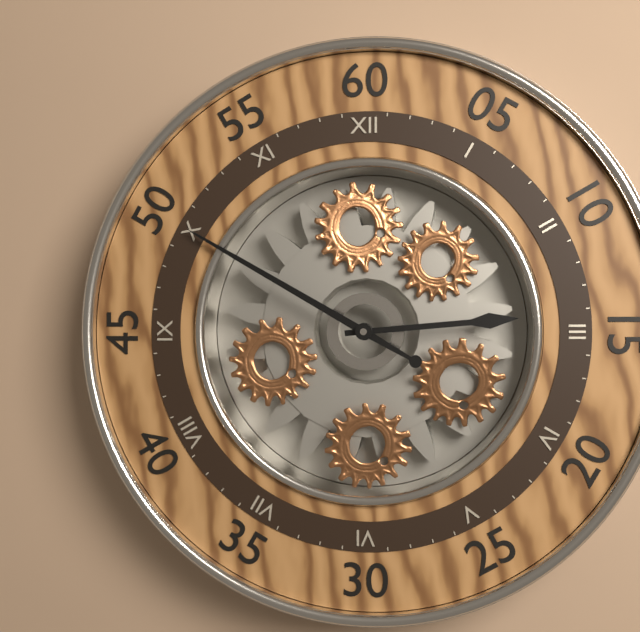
2:50
